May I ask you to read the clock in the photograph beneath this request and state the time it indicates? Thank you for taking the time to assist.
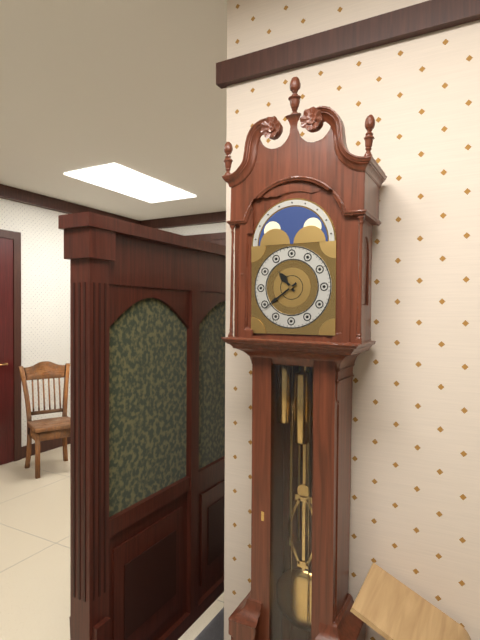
10:39
